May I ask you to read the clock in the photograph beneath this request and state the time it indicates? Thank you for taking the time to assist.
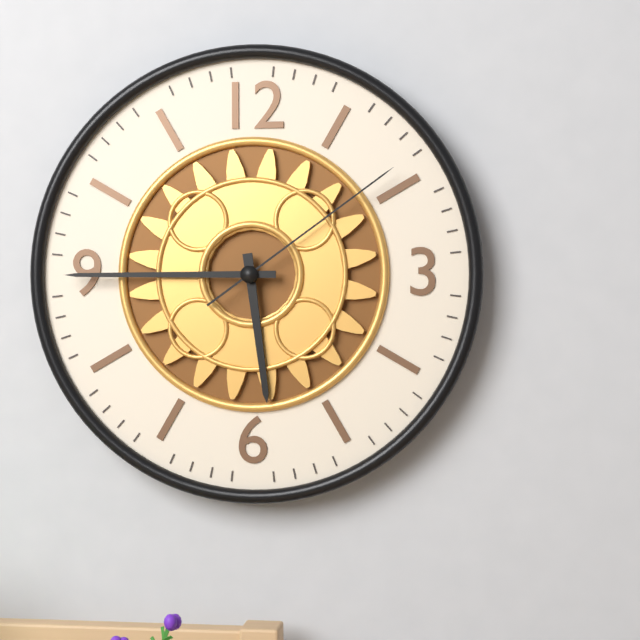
5:45:09
